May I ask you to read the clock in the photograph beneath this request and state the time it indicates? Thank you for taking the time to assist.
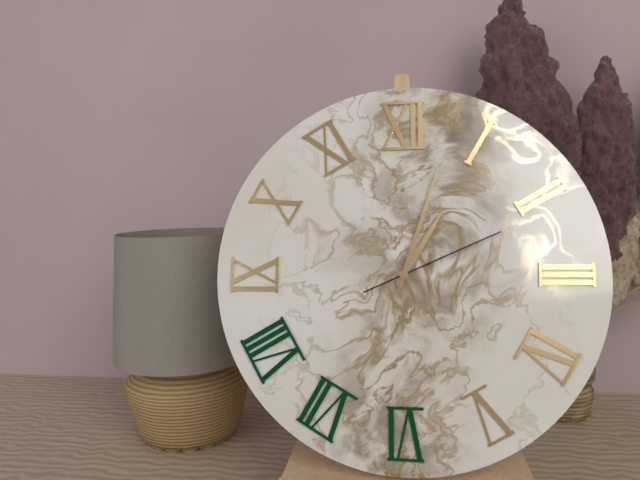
1:03:11
